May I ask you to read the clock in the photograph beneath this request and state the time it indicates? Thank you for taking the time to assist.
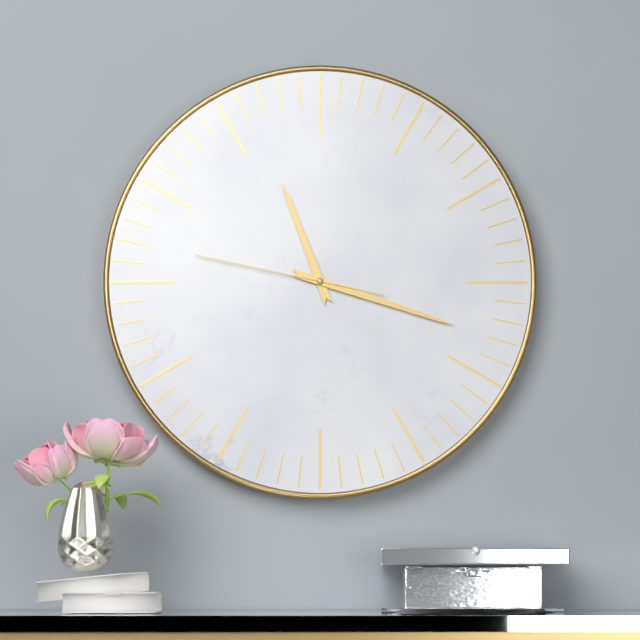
11:18:47
